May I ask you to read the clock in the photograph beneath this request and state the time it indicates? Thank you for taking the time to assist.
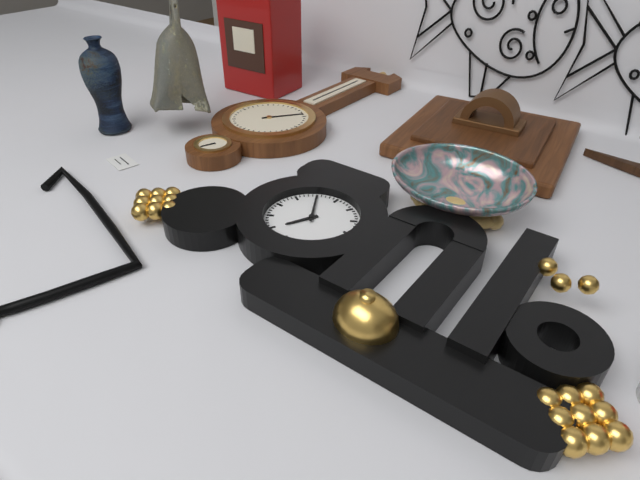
6:55
